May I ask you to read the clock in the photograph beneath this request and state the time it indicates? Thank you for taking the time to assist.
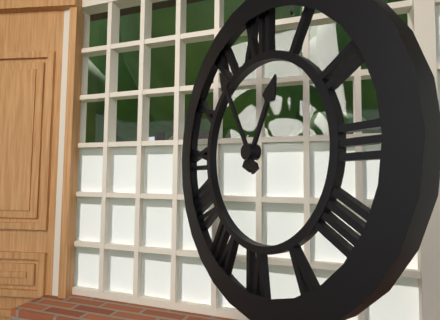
12:55
